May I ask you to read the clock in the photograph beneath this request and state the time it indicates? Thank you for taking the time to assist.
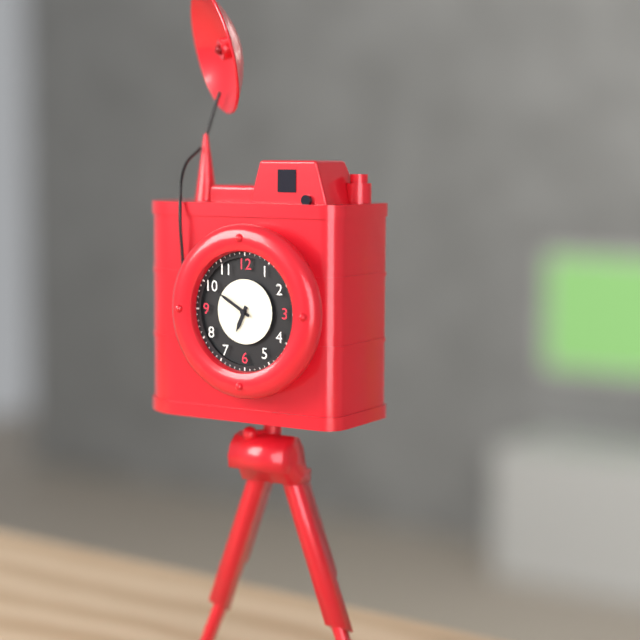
6:50
